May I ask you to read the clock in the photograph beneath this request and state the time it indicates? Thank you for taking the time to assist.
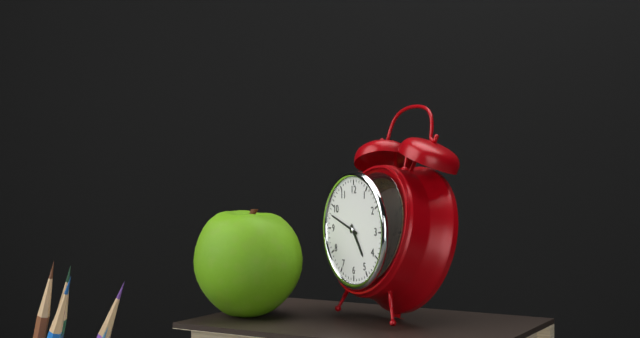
4:48
